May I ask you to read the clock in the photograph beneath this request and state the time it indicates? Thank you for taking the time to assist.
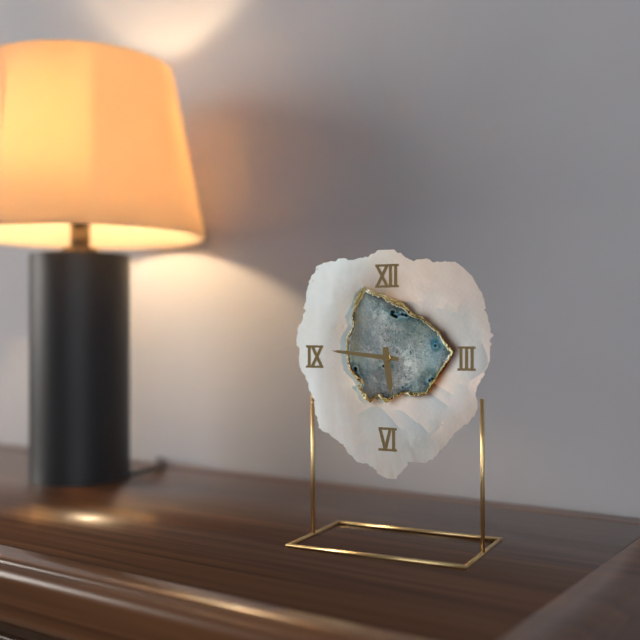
5:46
